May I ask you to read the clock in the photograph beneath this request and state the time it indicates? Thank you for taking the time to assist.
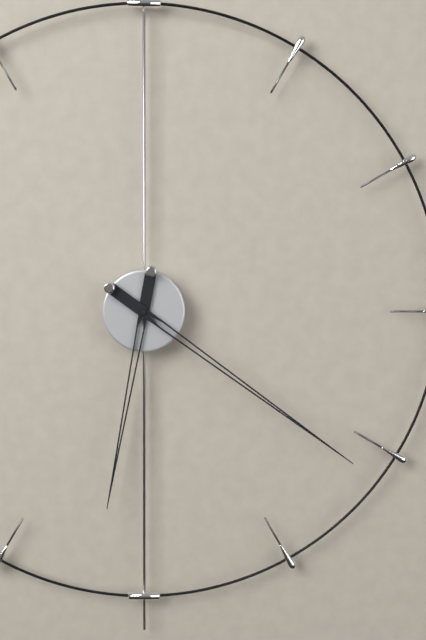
6:21
